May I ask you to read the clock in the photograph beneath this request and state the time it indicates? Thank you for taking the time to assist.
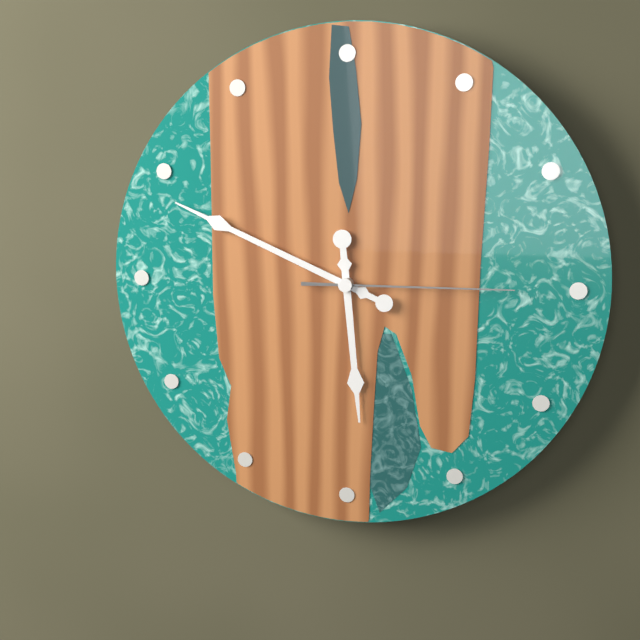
5:49:15
